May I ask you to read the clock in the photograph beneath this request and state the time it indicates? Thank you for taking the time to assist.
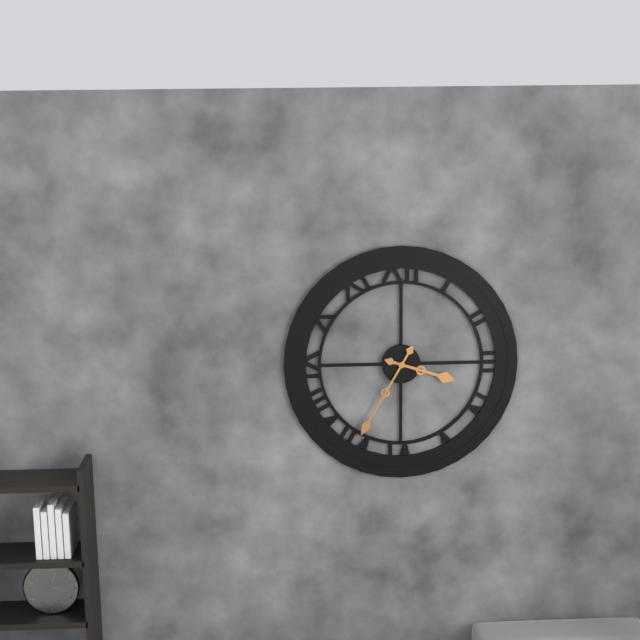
3:35
